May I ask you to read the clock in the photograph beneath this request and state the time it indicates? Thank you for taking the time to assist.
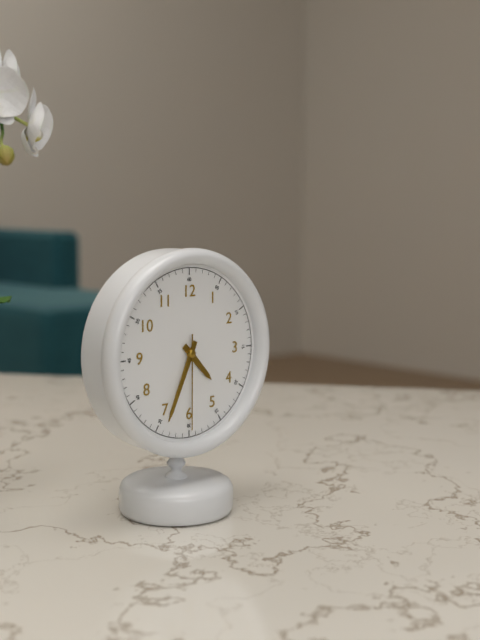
4:34:30
